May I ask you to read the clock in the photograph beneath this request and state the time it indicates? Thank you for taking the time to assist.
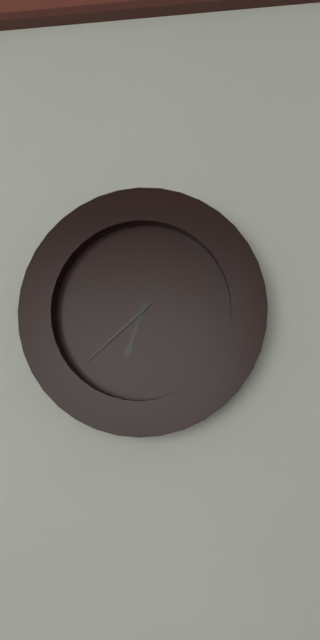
6:38
